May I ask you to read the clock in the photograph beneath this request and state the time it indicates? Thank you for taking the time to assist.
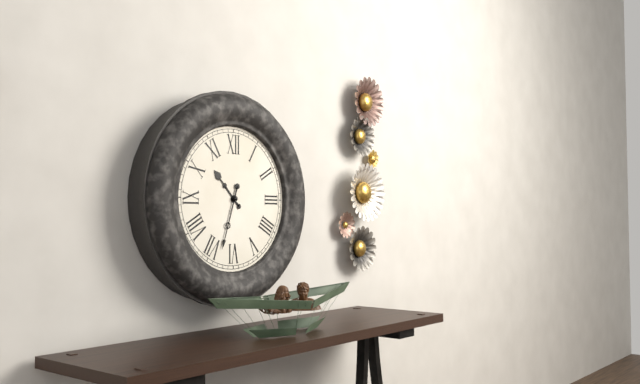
10:33
